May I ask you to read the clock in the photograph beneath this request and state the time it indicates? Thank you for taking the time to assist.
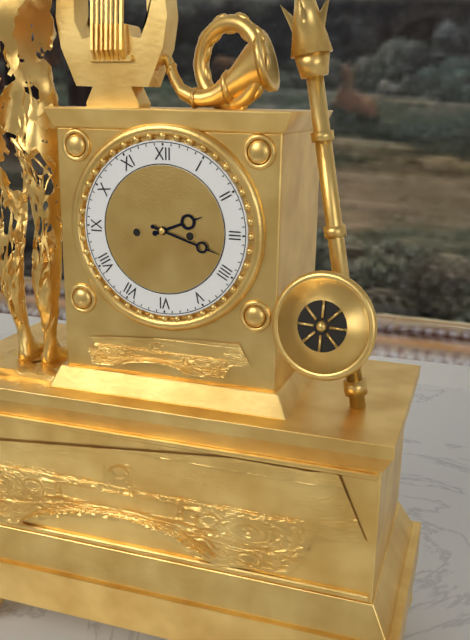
2:18
